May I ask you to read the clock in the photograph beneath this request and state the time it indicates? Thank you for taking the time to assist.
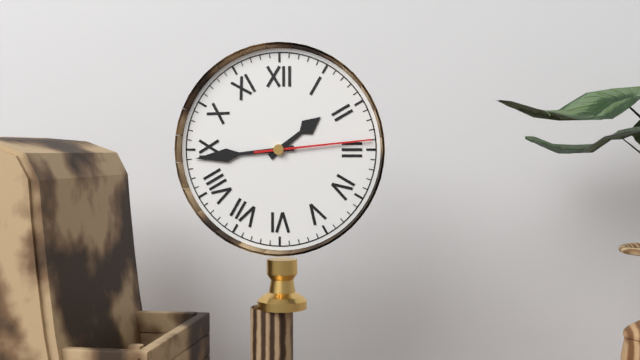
1:44:14
